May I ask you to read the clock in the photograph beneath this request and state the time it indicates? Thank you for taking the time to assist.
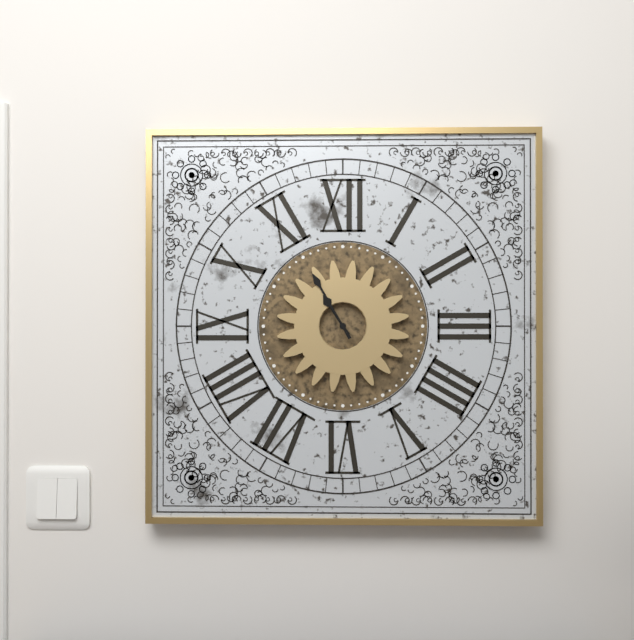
10:55
